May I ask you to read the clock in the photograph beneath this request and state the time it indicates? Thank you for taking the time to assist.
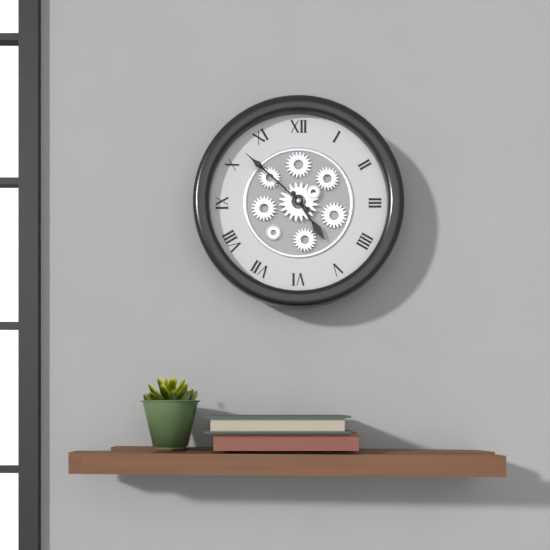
4:52
